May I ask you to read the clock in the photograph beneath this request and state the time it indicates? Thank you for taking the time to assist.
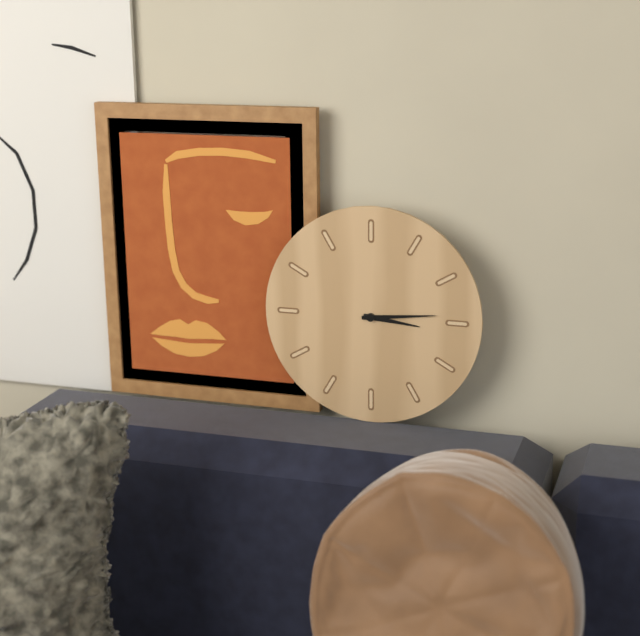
3:14
